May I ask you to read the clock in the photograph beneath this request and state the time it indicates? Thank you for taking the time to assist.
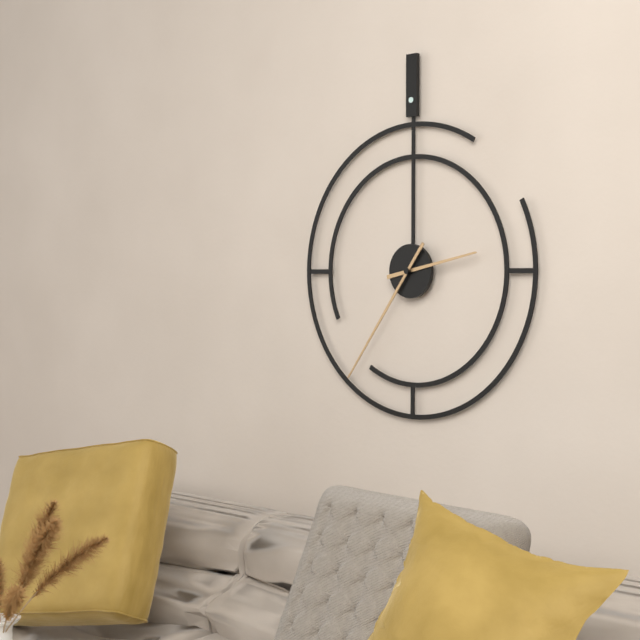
2:36
